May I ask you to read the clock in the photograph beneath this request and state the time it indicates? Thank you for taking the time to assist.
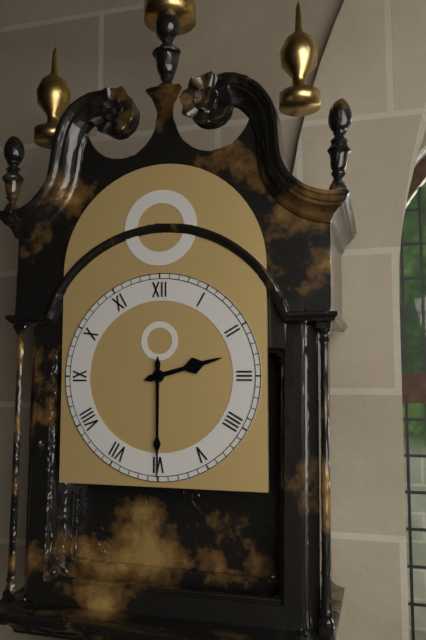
2:30
